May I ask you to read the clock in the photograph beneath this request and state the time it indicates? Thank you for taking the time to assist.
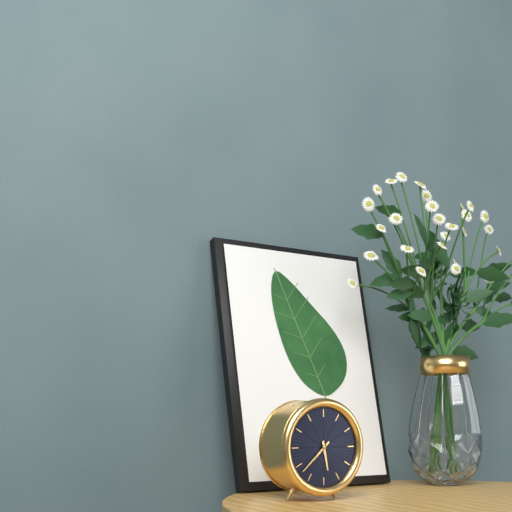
5:38
